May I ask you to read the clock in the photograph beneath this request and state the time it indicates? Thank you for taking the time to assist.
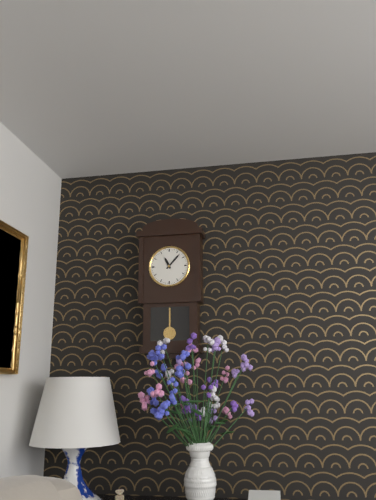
11:07
